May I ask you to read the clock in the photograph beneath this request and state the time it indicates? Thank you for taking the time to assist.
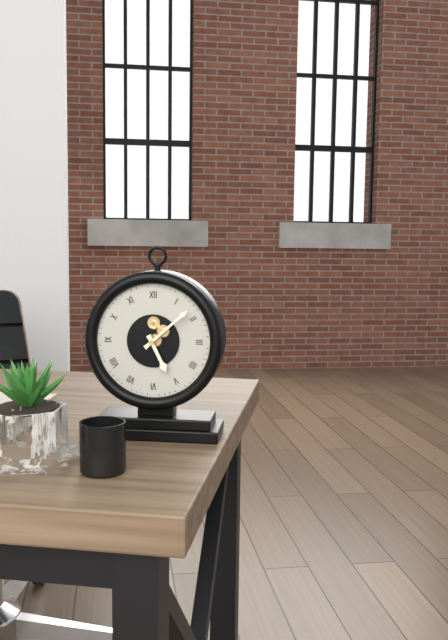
5:08
